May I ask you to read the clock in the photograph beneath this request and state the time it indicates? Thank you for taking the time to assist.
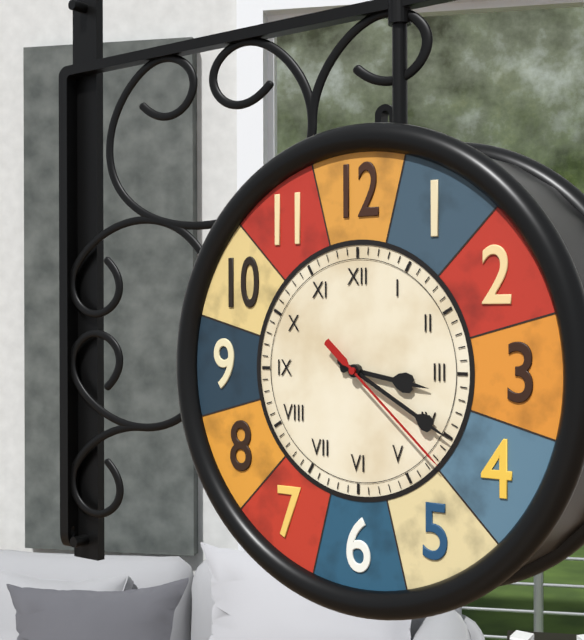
3:20:22
